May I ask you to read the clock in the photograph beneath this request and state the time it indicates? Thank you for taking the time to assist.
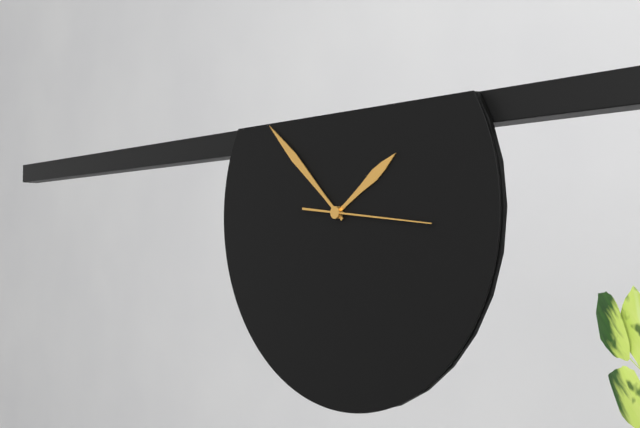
1:52:16
